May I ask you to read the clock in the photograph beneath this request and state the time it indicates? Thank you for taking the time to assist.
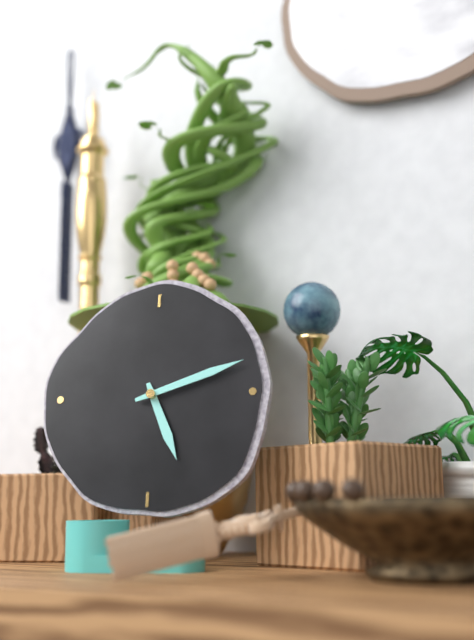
5:12
